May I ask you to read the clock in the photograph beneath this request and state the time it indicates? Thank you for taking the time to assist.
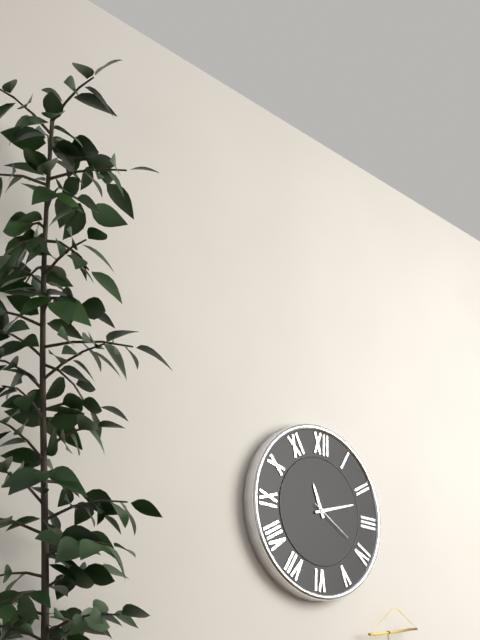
11:12
